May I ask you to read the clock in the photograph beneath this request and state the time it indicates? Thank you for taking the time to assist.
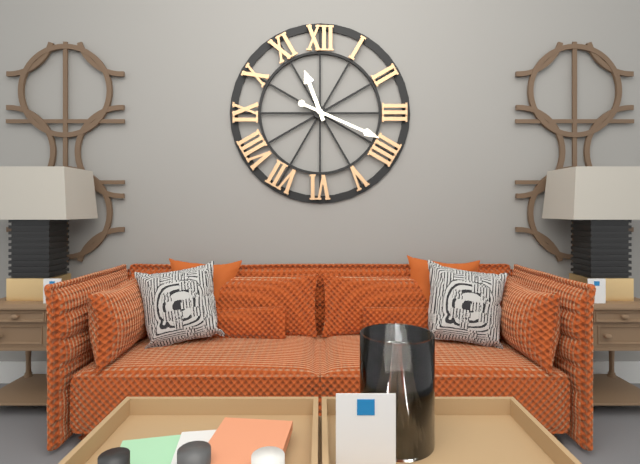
11:19
